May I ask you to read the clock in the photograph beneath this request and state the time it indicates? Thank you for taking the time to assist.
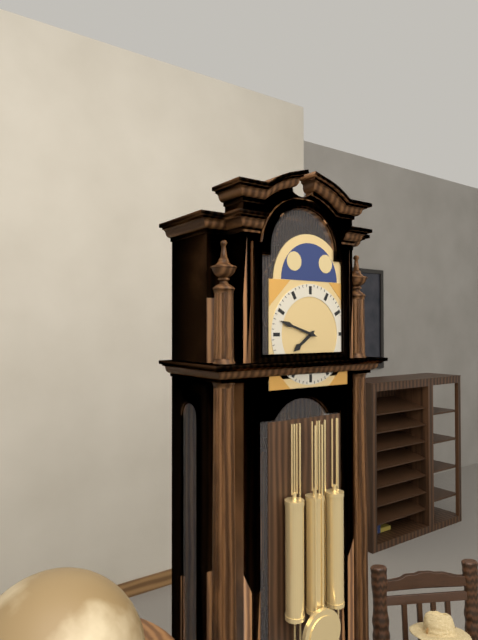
7:48
